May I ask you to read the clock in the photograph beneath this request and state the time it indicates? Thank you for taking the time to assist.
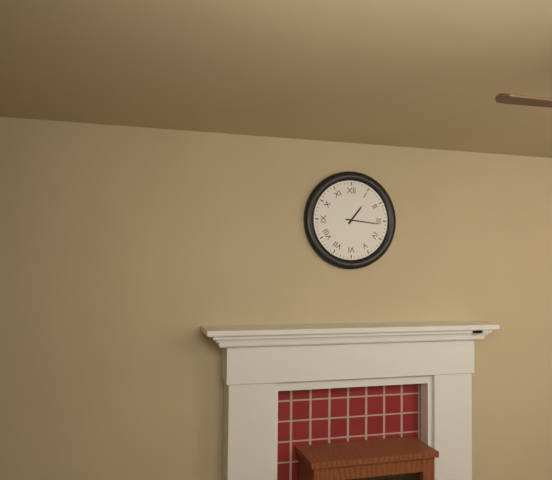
1:16
